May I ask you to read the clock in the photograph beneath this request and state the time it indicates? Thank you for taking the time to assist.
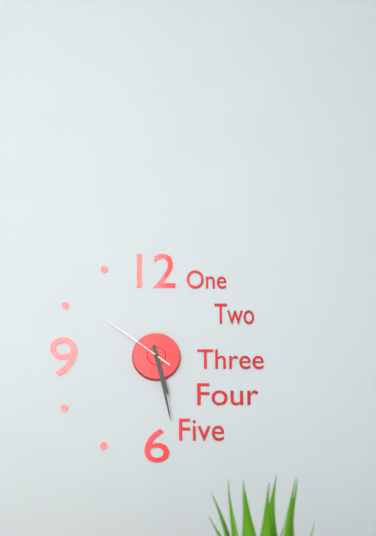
5:28:51
